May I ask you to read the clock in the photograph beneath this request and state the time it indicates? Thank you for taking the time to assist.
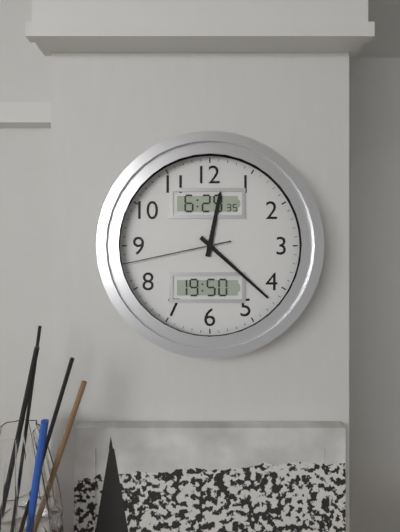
12:22:43
